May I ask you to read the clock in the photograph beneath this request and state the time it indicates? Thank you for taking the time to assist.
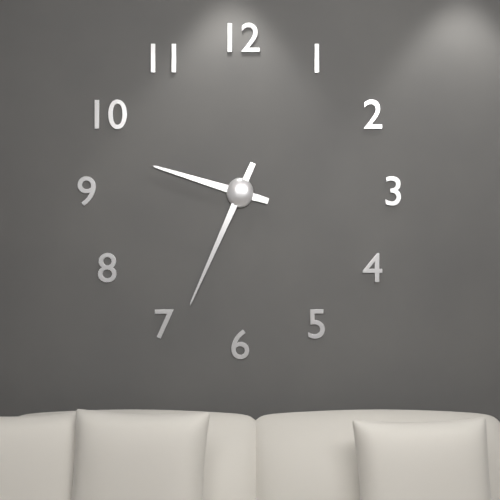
9:34
